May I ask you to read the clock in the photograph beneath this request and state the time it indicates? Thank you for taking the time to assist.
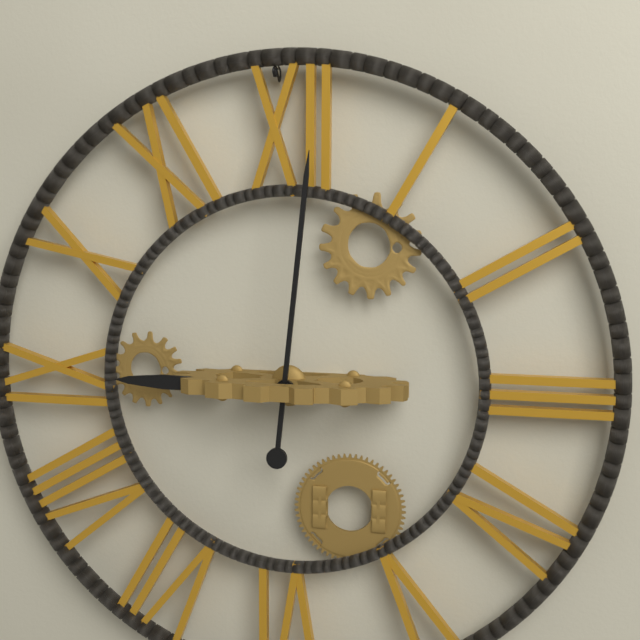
9:01
